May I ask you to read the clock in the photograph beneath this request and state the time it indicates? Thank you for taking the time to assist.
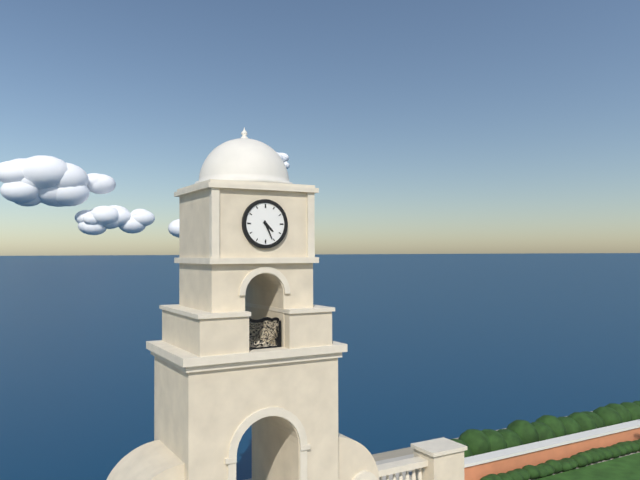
4:26
